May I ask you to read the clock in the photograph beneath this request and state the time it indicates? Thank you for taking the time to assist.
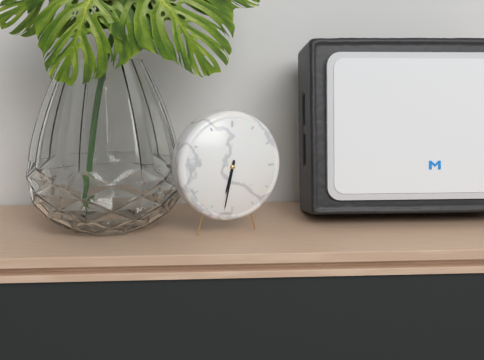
6:32
